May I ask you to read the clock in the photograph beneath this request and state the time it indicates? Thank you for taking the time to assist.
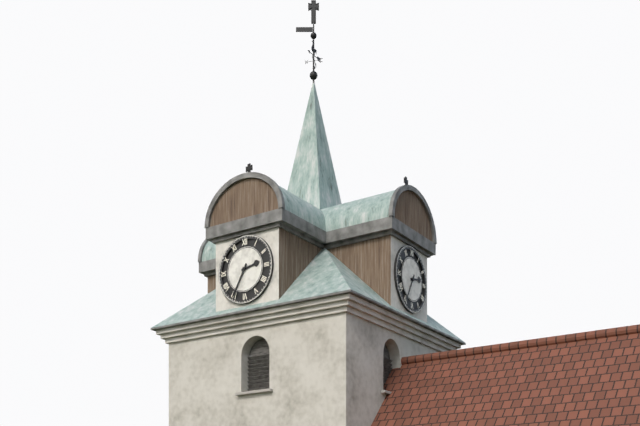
2:35
